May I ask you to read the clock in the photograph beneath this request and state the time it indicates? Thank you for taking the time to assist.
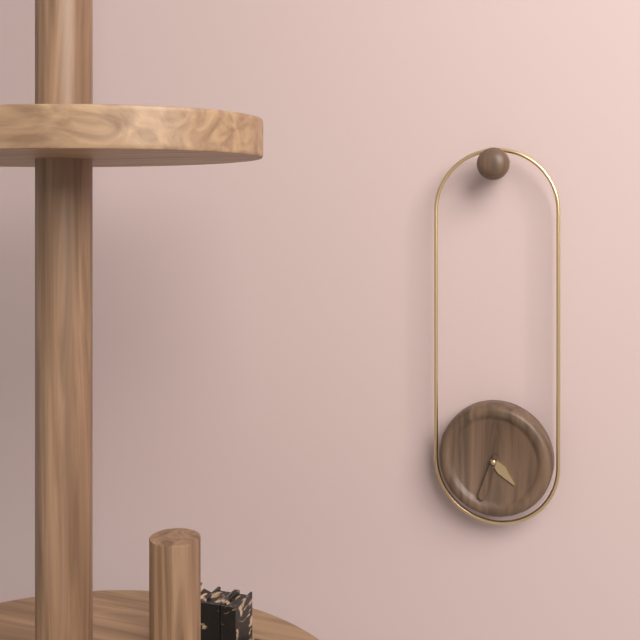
4:33
